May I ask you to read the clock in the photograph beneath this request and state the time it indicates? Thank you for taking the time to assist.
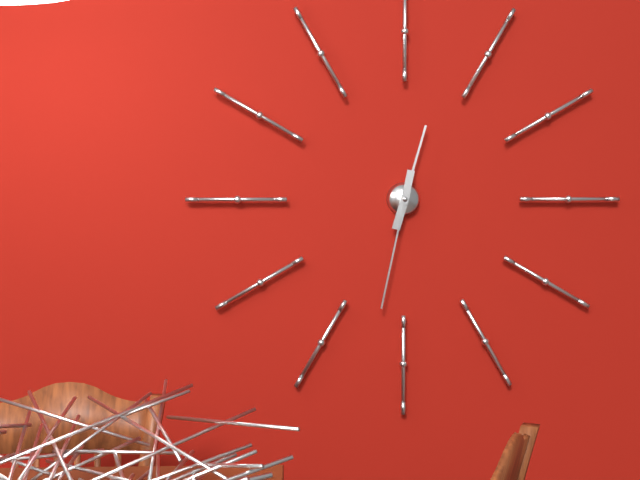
12:32
